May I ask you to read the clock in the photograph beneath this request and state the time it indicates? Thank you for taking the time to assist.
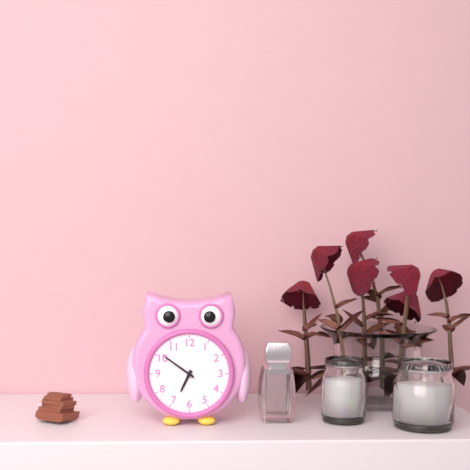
6:51
